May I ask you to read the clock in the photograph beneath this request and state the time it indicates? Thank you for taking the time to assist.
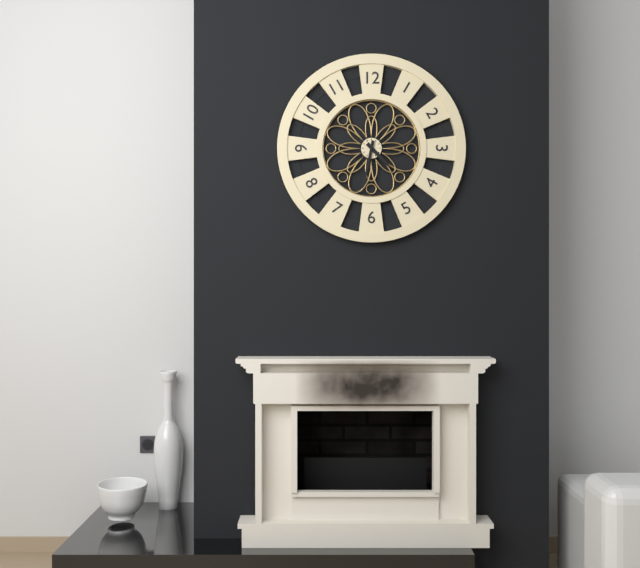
4:32
